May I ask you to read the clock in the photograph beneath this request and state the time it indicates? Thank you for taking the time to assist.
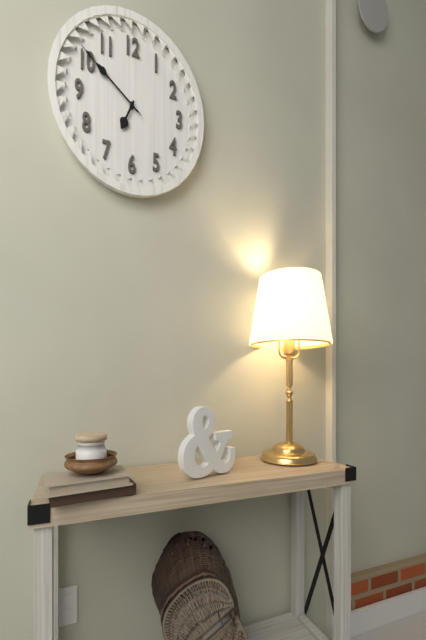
6:51:51
